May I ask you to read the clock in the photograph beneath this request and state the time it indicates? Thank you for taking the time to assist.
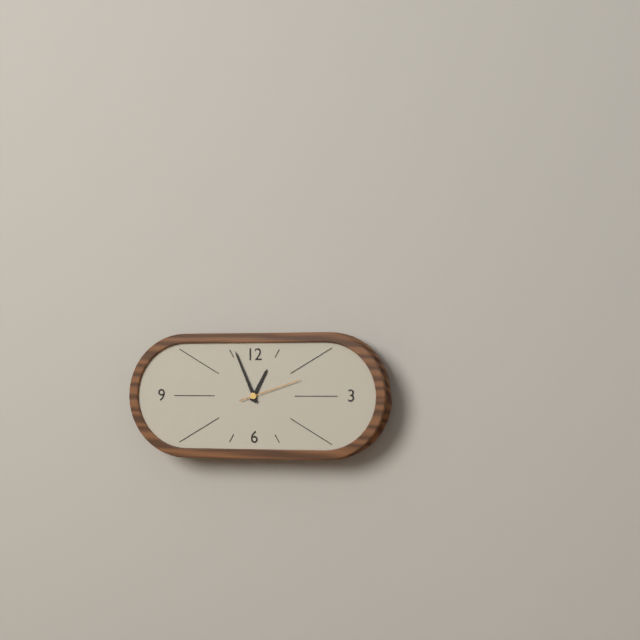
12:56
